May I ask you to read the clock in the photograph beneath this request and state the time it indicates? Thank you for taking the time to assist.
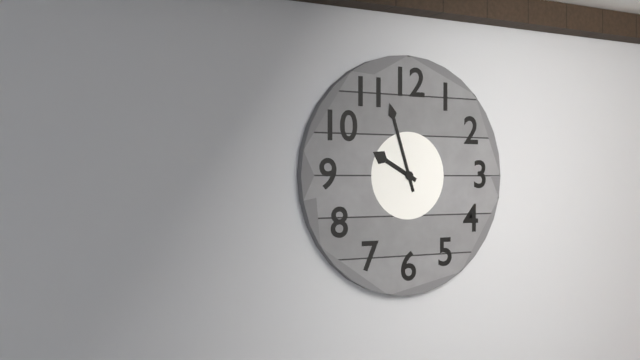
9:57
